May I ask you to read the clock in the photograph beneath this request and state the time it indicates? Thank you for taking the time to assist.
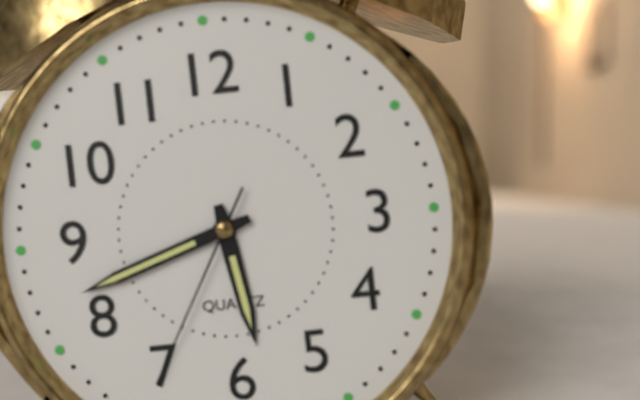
5:42:35
